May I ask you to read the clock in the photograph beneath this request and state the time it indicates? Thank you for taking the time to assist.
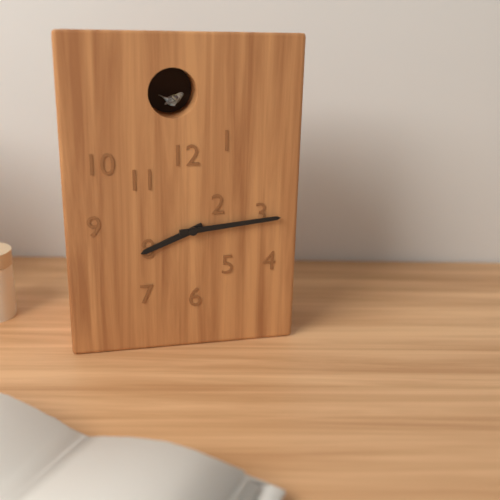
8:14
